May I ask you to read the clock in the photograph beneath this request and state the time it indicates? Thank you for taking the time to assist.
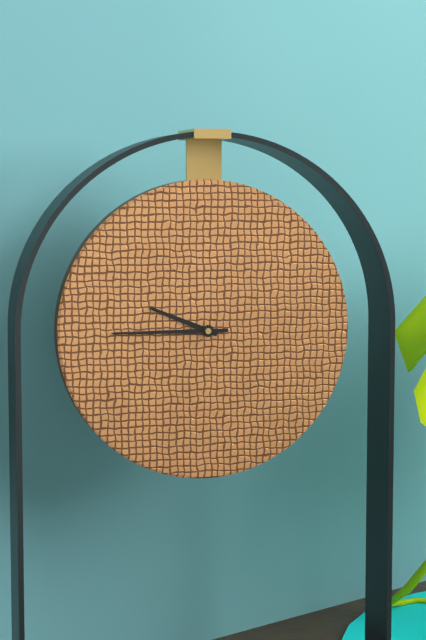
9:45
